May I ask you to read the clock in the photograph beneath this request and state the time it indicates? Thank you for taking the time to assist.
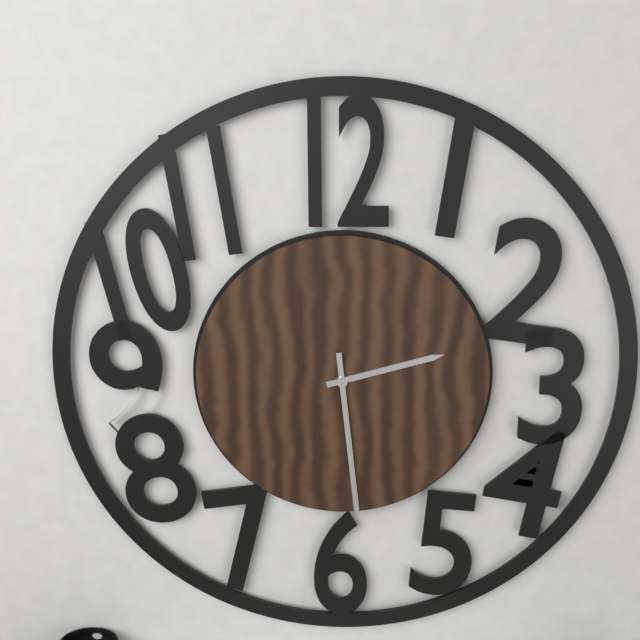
2:29
